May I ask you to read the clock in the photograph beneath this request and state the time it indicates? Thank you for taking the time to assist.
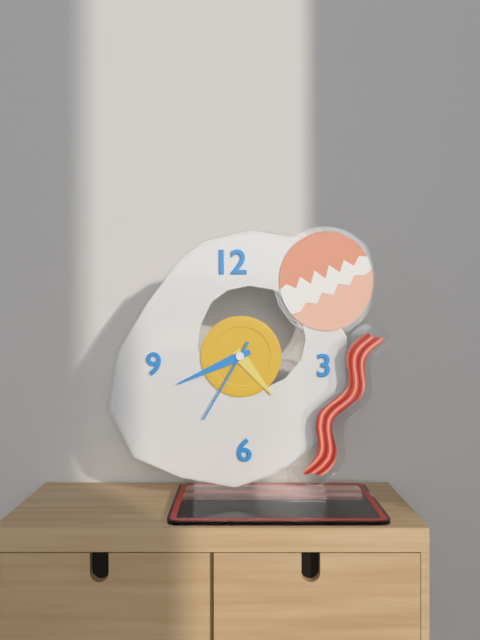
4:41:35
